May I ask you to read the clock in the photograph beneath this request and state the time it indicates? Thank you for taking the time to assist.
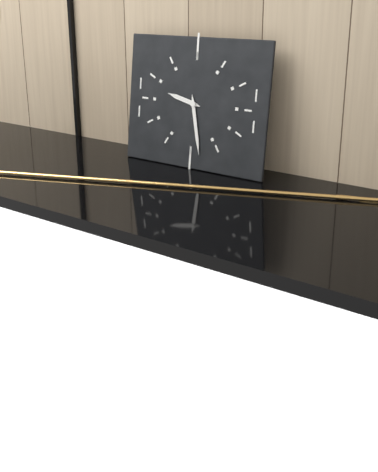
9:28
